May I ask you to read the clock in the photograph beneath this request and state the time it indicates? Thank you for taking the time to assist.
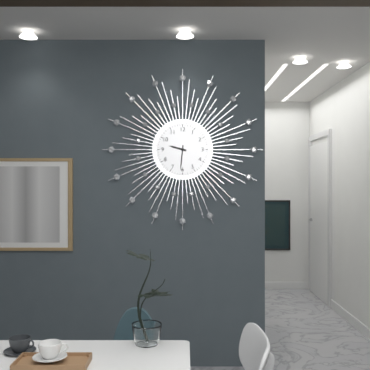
9:31
